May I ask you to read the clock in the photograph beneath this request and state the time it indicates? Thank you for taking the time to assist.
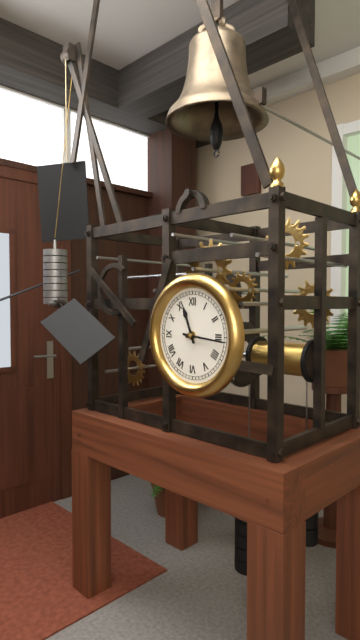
11:16
